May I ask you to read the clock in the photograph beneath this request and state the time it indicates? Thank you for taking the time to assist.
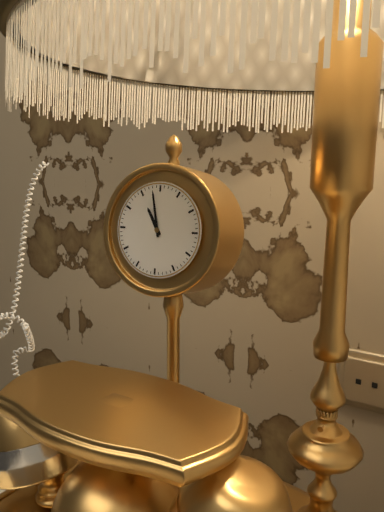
10:58
